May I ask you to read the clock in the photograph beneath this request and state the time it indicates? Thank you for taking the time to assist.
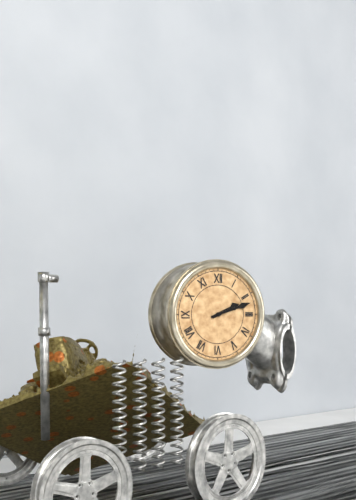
2:12
